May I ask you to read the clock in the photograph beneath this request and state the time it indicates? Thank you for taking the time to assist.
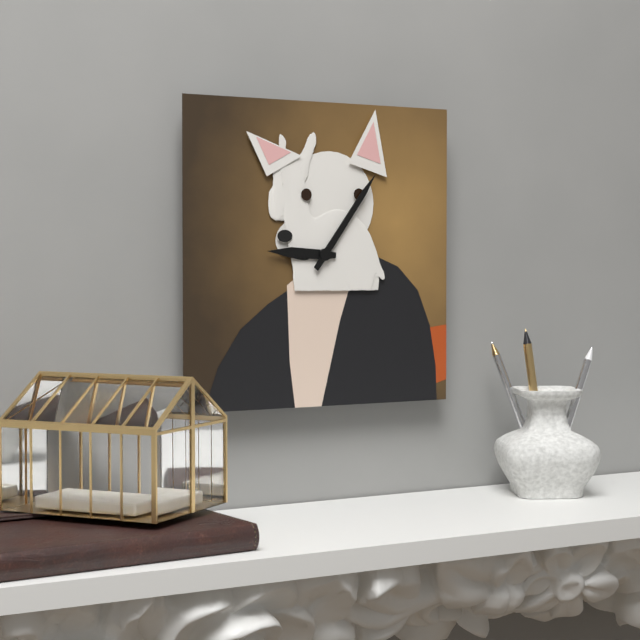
9:06
